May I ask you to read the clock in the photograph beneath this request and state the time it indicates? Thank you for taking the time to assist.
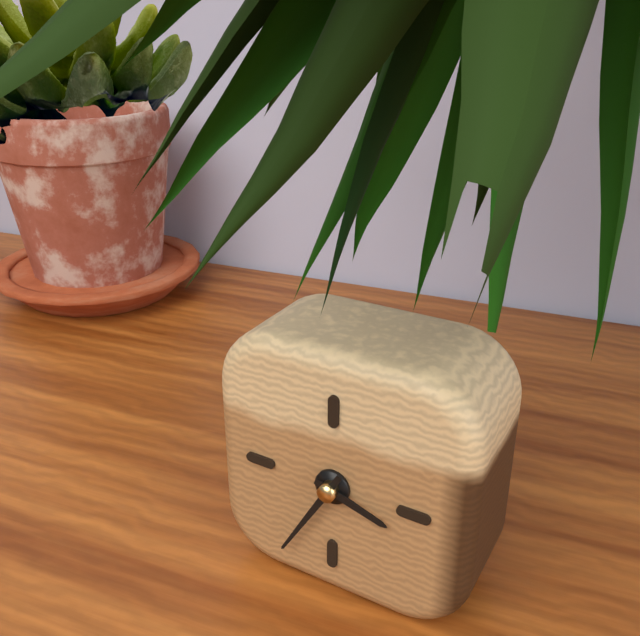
3:35
